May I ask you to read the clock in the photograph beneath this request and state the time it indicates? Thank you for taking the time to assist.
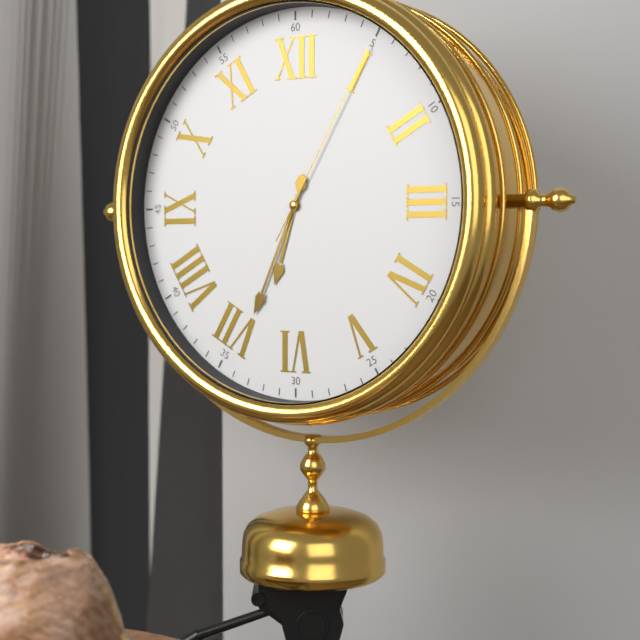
6:34:05
